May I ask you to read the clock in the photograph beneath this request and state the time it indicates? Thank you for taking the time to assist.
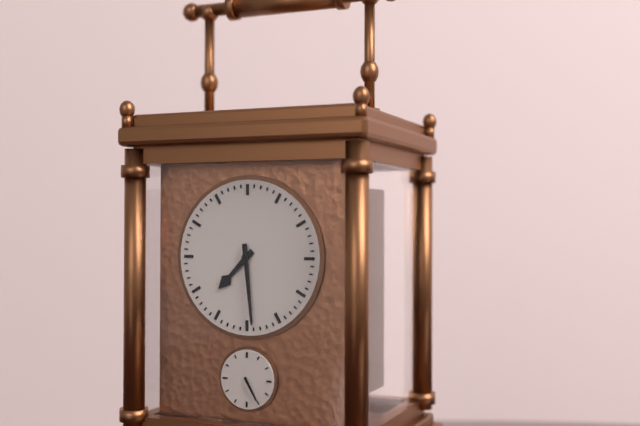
7:29
